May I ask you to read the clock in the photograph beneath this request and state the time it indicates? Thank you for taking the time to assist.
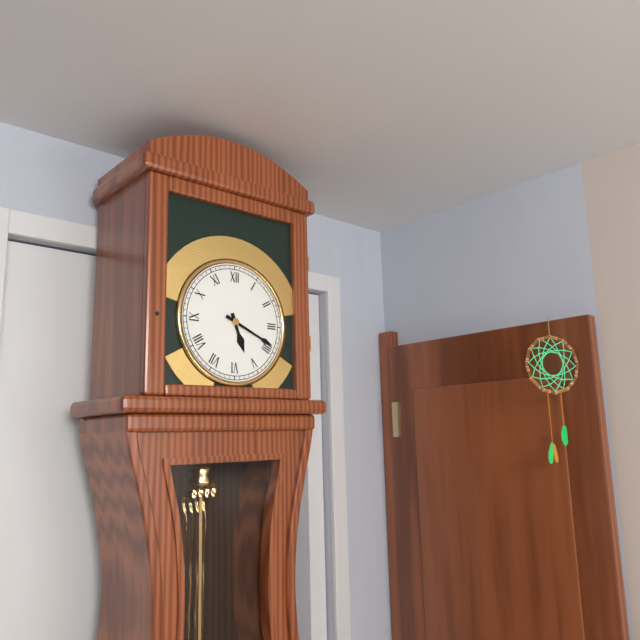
5:19
